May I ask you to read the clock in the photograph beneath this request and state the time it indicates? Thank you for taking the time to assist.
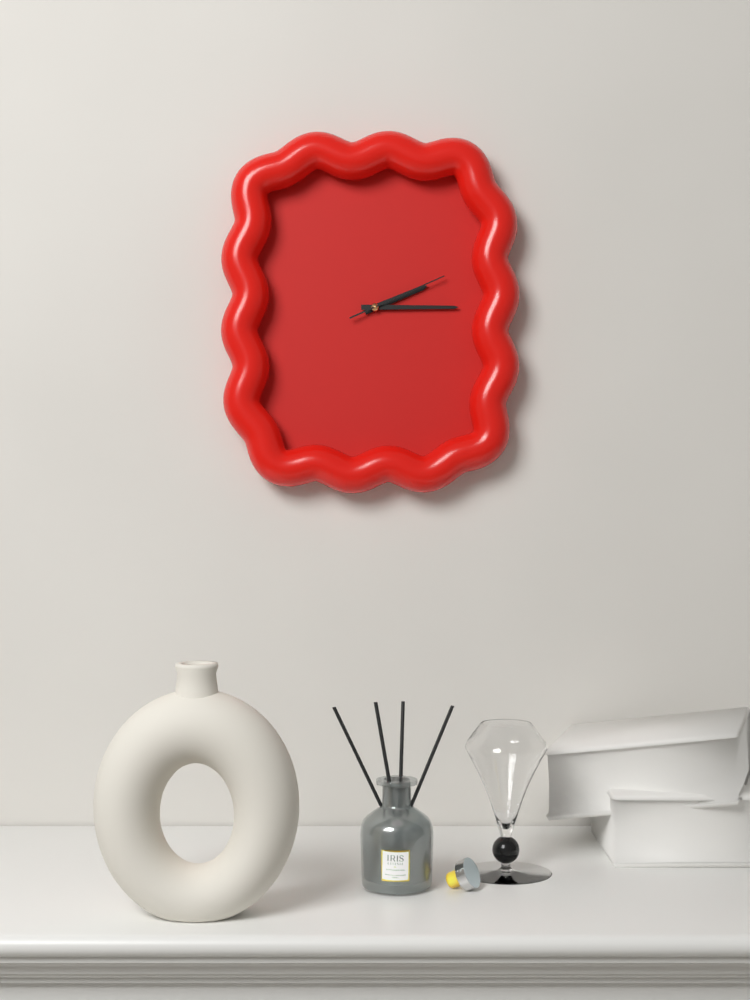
2:15:11
